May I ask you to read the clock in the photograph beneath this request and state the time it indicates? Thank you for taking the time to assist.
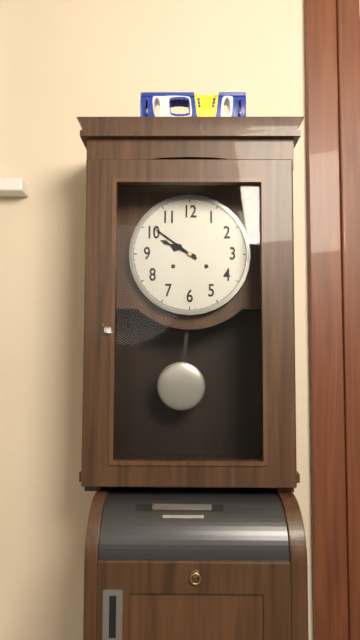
9:51
